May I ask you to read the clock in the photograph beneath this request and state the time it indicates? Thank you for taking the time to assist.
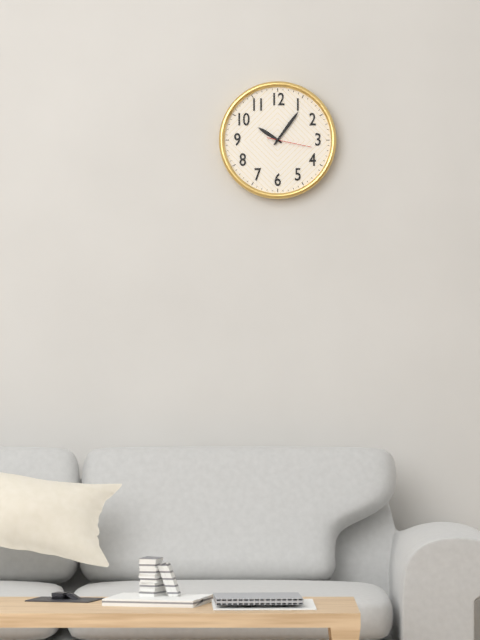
10:06
